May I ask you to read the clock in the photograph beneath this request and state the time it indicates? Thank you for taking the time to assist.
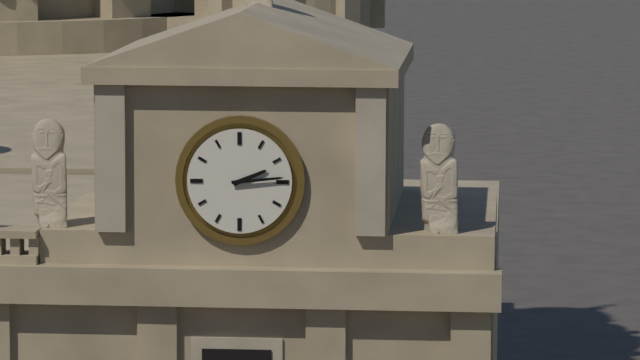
2:14
